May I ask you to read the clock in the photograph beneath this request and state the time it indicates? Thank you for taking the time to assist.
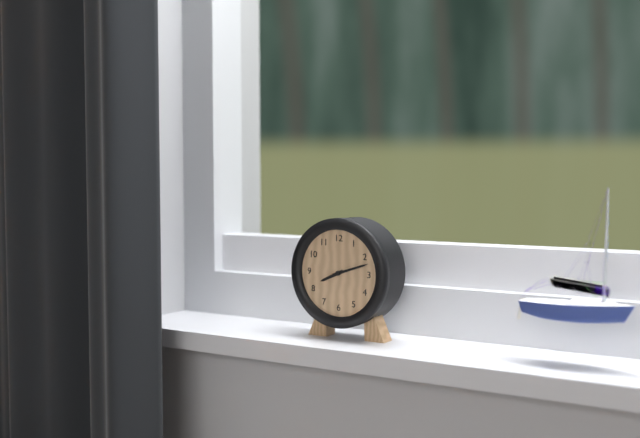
8:12
